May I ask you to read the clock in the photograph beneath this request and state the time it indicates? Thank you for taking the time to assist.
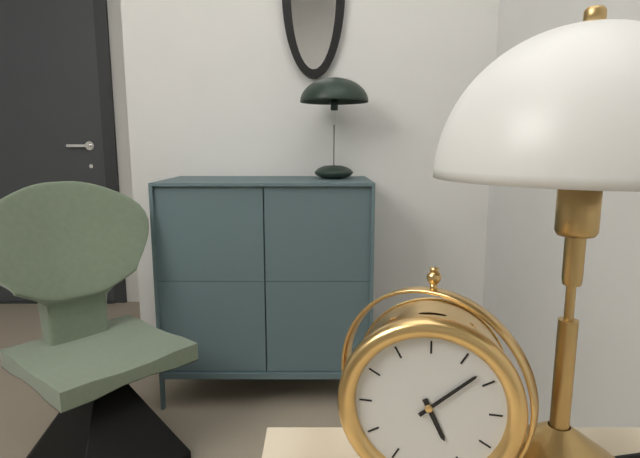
5:08
